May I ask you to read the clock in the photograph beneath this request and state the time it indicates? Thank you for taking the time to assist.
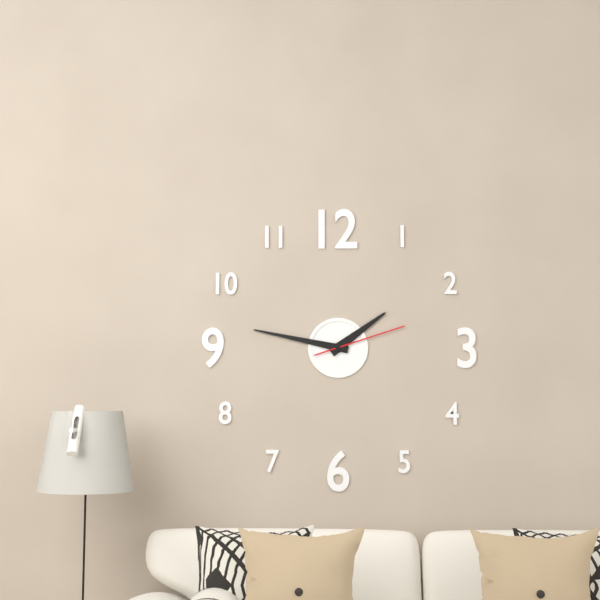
1:47:12
